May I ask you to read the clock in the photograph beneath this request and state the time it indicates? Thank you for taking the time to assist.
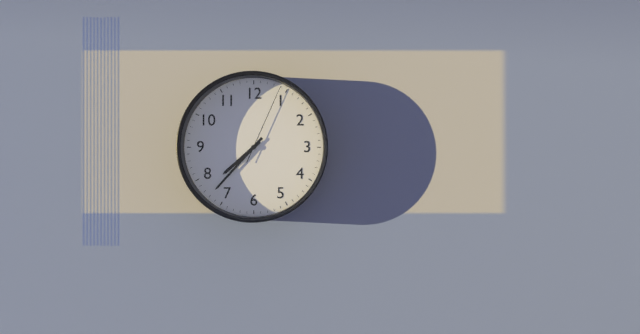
7:37:04
